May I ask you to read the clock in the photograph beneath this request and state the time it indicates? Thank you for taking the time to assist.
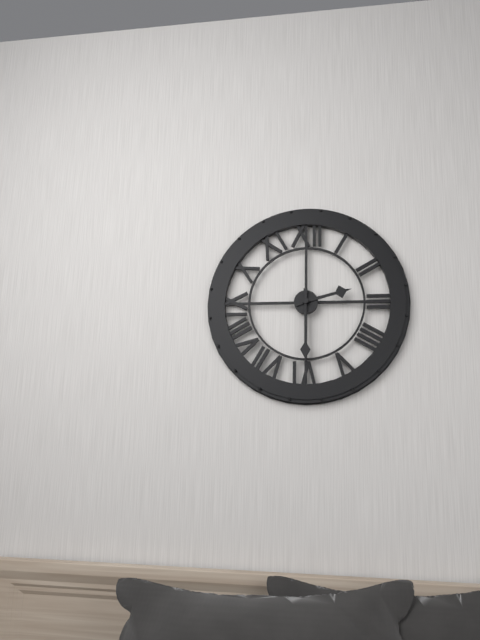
2:30
